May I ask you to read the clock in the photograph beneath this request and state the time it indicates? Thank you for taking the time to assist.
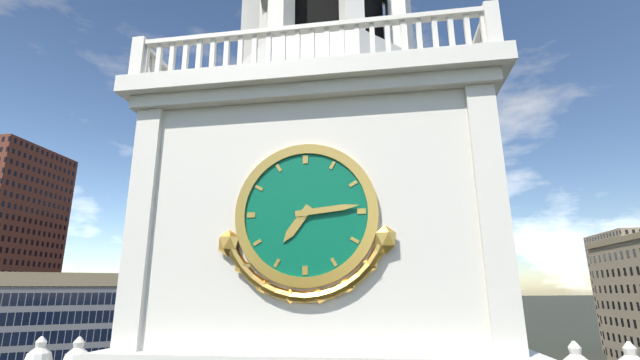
7:14
